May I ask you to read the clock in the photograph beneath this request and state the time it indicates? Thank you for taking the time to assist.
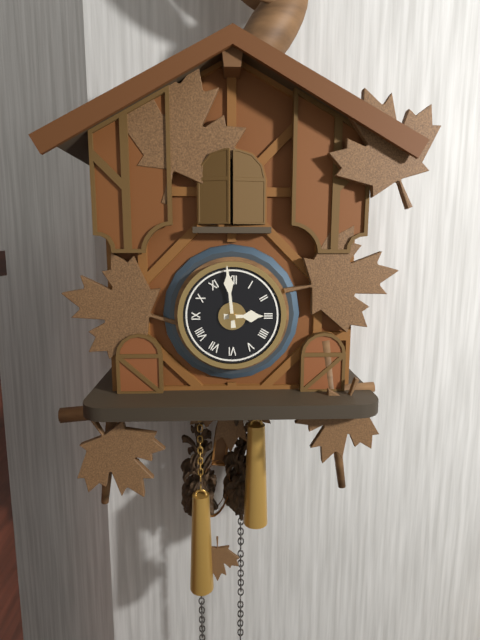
2:59
